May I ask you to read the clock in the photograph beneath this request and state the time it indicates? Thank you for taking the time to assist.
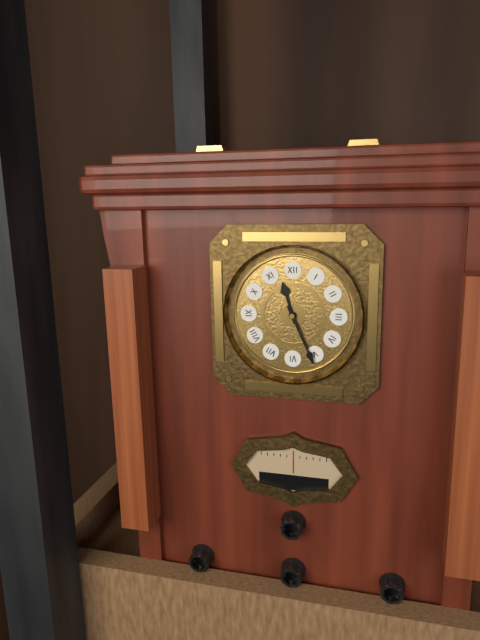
11:26
